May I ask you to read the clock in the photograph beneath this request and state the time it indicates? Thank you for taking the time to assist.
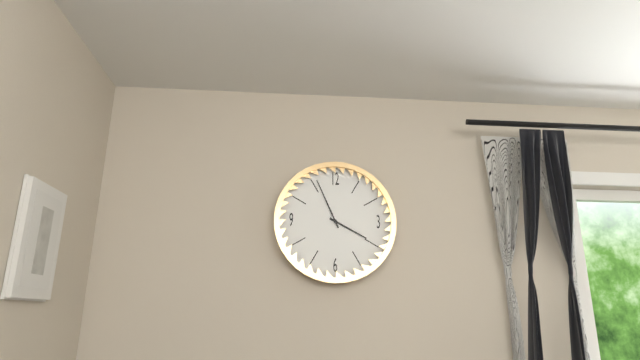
3:56
